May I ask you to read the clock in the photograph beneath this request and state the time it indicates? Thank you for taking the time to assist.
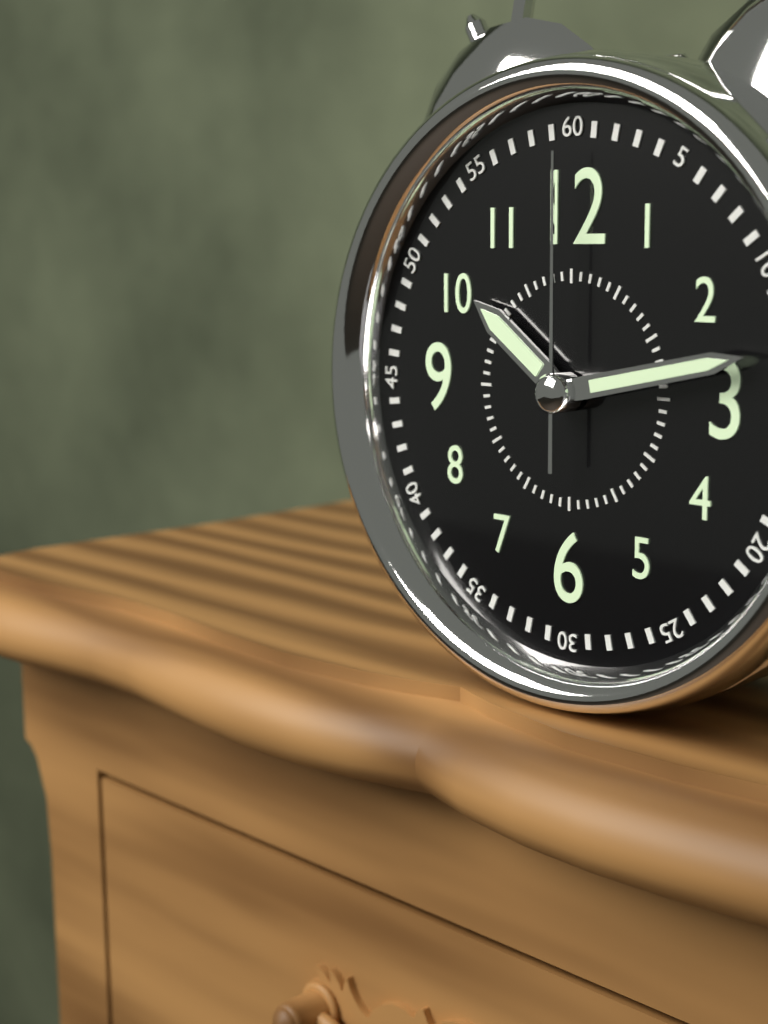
10:13:00
